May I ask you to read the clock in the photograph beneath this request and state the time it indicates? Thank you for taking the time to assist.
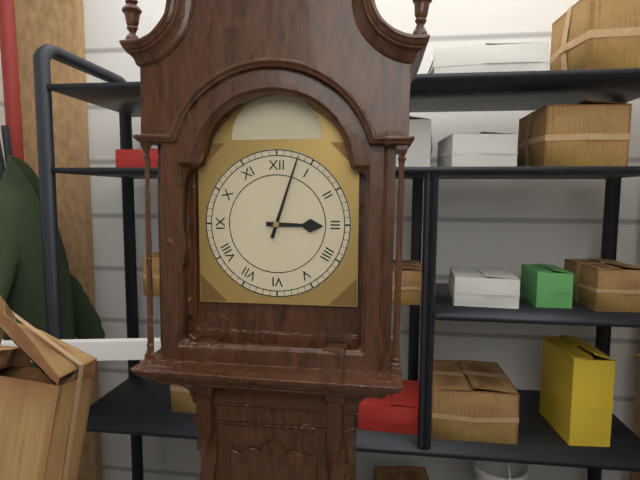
3:03
